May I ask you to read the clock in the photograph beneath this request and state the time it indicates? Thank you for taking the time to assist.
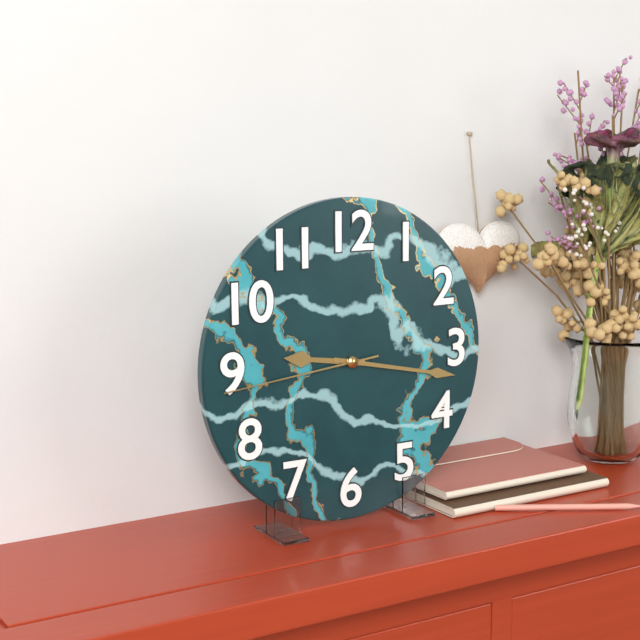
9:17:44
